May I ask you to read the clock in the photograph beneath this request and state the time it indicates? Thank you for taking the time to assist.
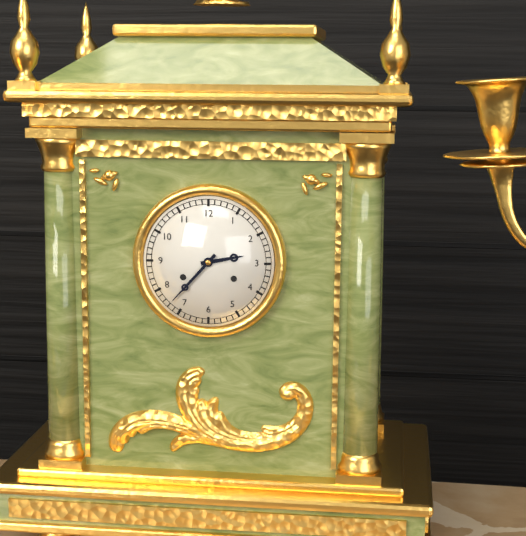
2:37
